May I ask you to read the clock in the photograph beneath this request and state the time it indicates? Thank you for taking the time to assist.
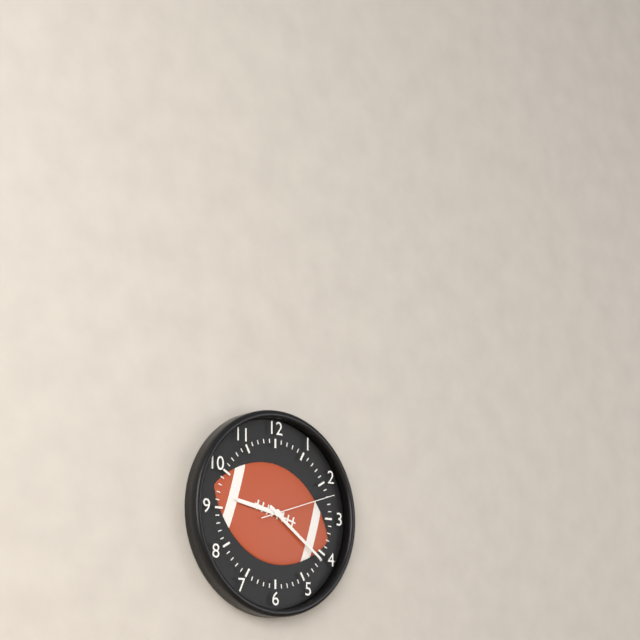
9:21:12
